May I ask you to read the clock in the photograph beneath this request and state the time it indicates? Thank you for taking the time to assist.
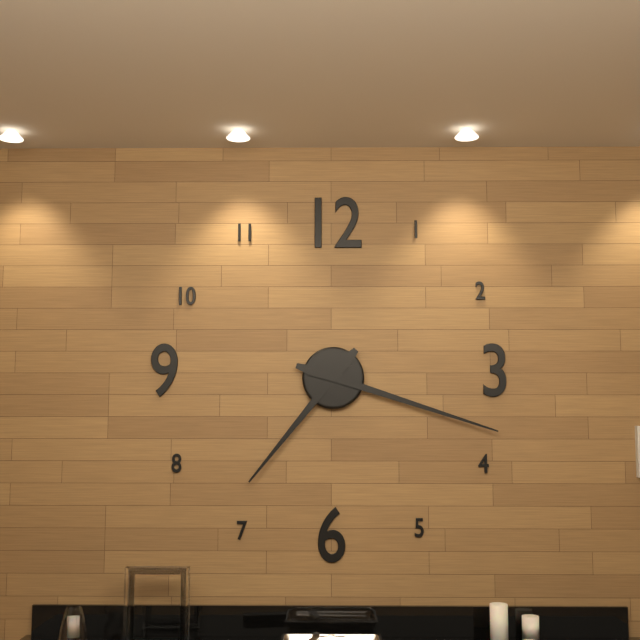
7:18
